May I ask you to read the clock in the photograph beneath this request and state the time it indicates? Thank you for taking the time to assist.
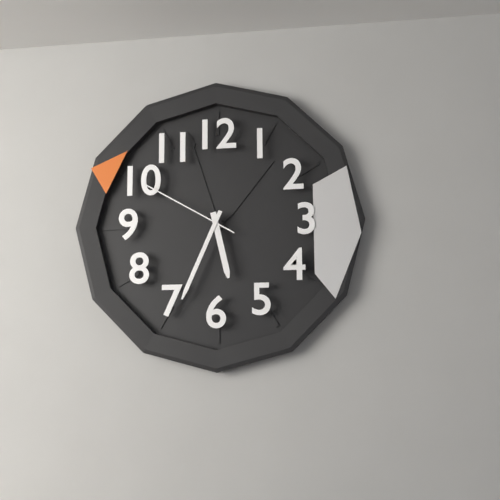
5:34:50
